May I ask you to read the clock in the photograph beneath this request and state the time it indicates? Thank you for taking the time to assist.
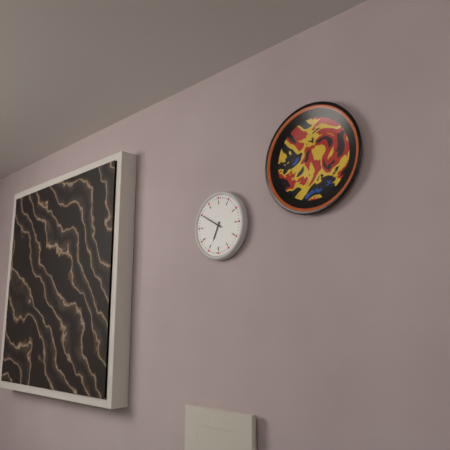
6:50
